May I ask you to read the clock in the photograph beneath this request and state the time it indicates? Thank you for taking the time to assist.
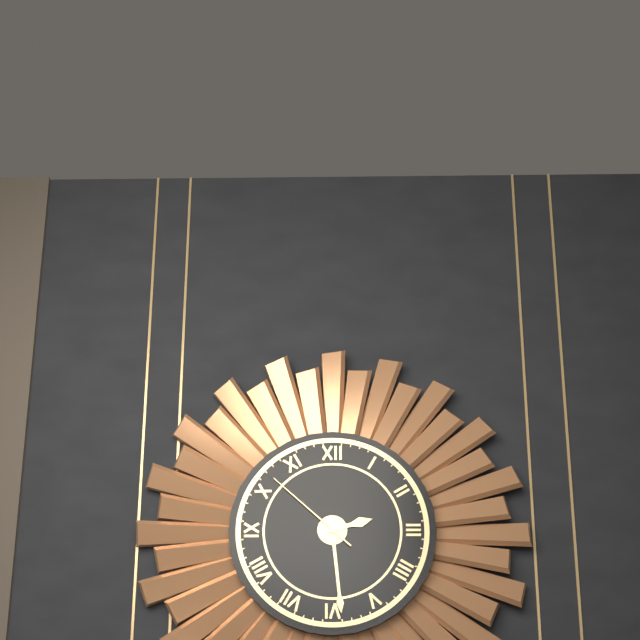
2:29:52
